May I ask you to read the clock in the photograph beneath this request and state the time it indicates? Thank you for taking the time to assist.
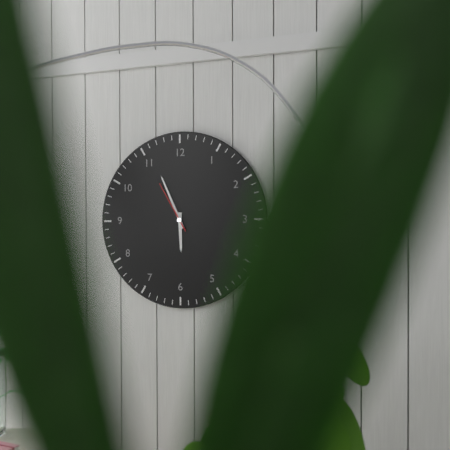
5:56:55
